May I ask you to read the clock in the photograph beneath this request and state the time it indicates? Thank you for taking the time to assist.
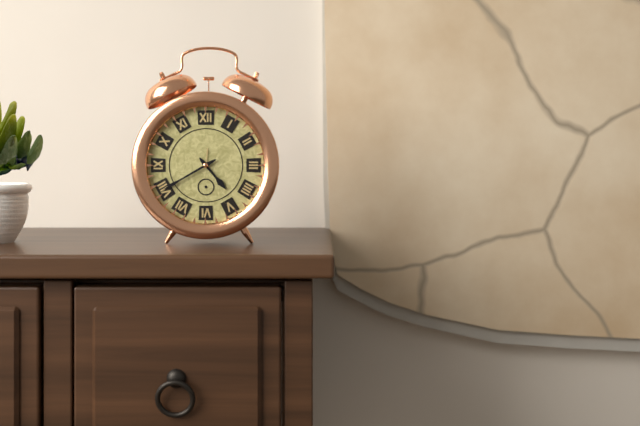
4:40
